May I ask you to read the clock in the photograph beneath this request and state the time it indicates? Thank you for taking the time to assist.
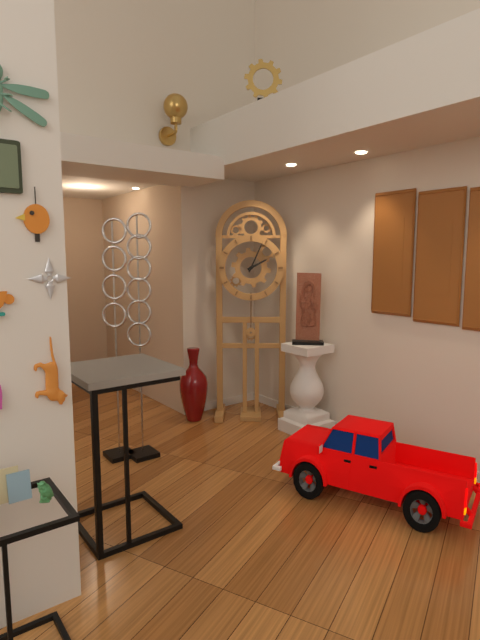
2:04
